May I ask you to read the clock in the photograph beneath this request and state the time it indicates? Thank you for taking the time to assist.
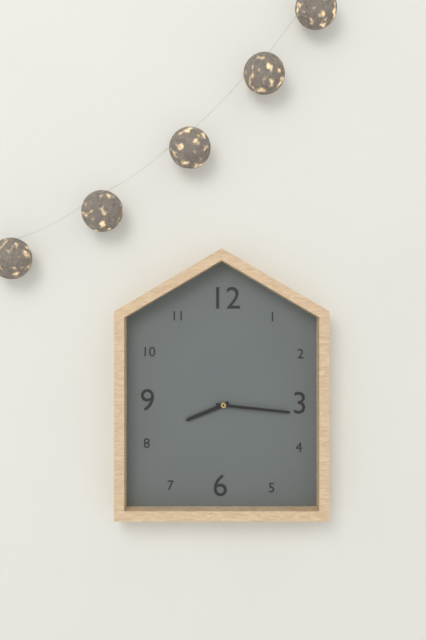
8:16
